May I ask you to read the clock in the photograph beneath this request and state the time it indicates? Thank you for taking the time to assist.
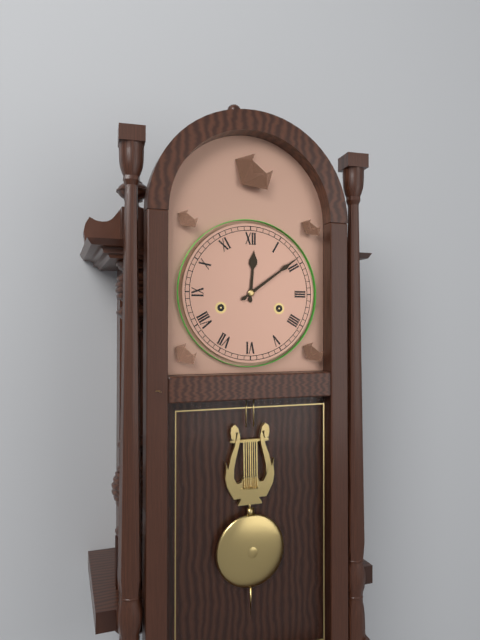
12:09
